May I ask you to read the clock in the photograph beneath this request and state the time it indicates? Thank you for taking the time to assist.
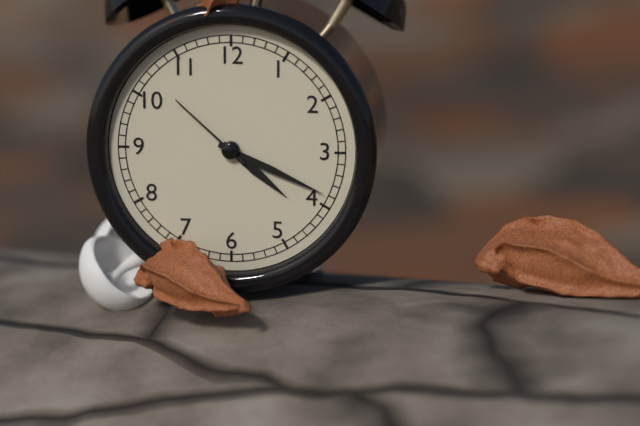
4:19:52
